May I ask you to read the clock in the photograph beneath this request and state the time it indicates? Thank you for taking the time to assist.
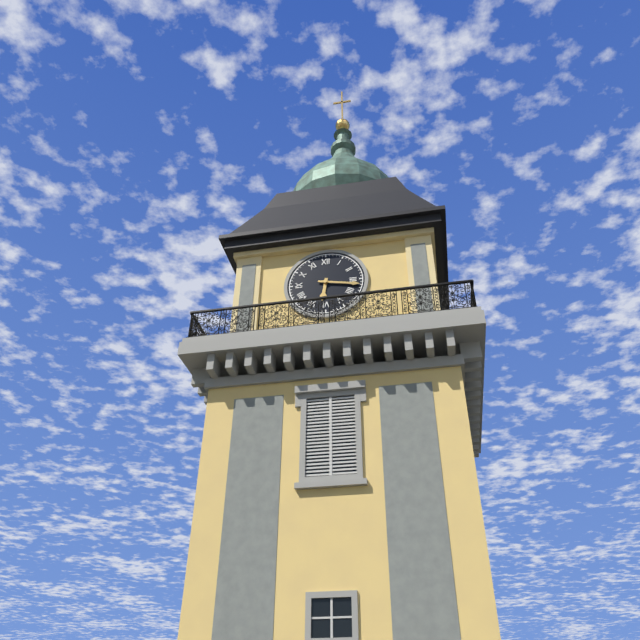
6:17
